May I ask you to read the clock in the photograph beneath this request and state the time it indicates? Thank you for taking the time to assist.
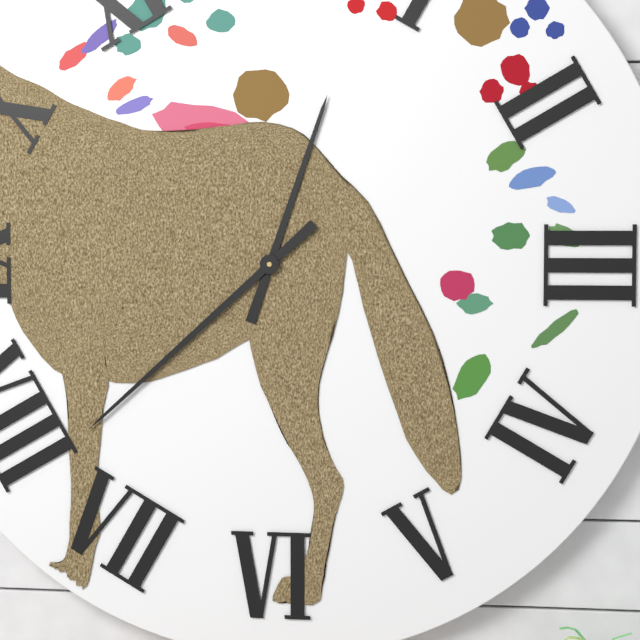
12:38
